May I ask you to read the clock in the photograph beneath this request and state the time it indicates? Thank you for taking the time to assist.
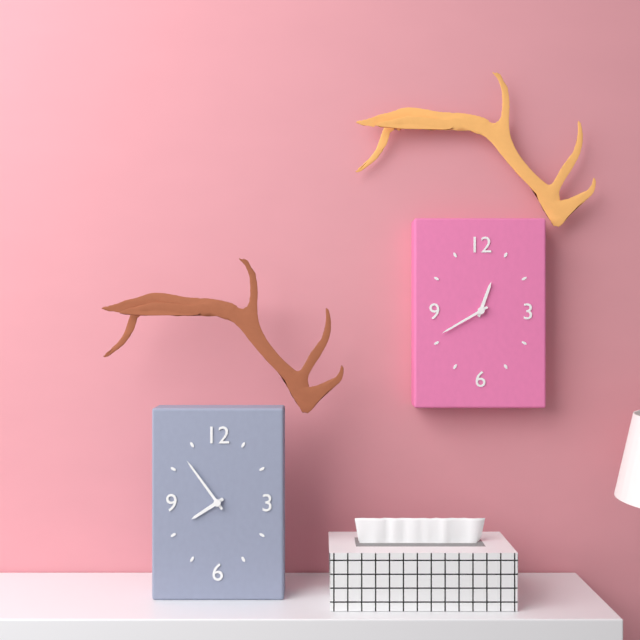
7:54
